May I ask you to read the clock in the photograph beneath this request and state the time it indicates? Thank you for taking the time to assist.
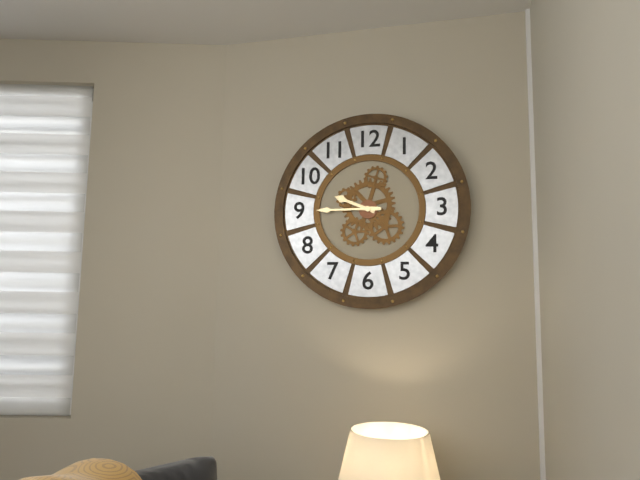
9:45
